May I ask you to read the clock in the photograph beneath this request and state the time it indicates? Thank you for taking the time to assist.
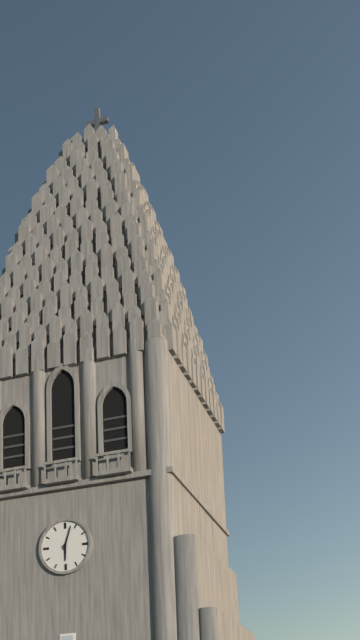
6:03
